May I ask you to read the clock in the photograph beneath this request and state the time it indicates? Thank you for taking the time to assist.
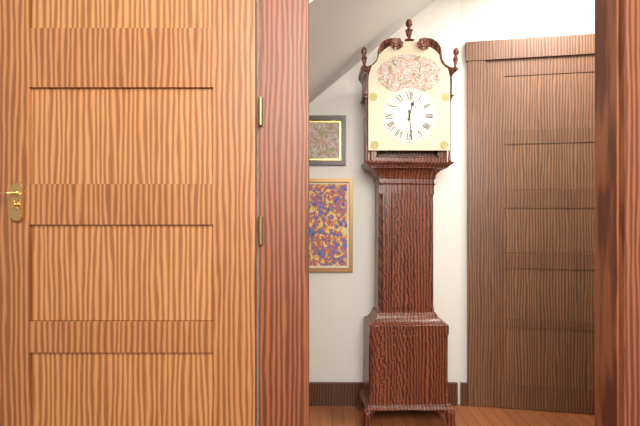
12:29
